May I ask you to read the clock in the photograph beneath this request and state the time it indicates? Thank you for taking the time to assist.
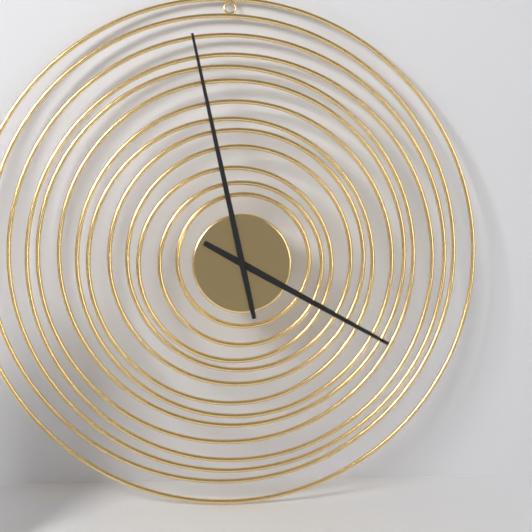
3:58
